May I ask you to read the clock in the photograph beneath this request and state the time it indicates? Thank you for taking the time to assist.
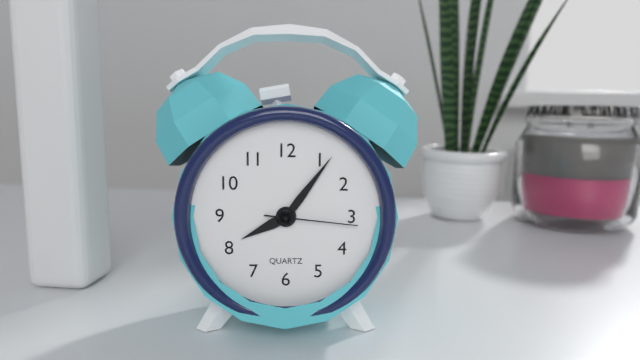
8:06:16
